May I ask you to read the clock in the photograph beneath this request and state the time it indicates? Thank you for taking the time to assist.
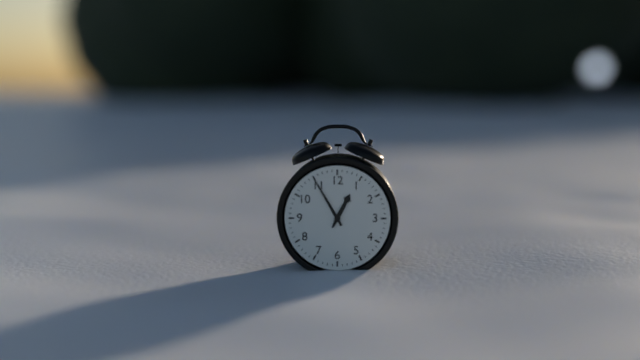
12:55
